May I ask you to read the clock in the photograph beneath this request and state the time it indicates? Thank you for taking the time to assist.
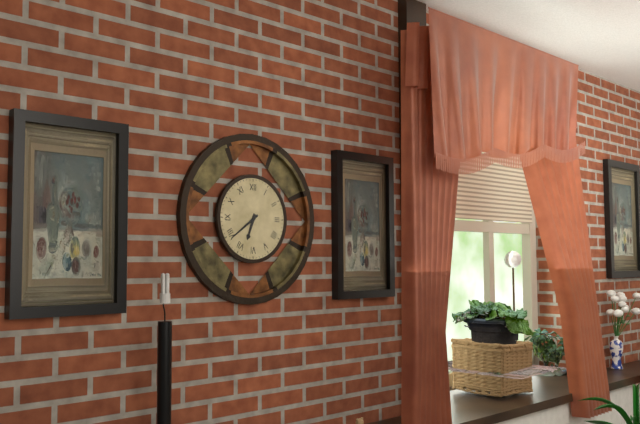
6:39
